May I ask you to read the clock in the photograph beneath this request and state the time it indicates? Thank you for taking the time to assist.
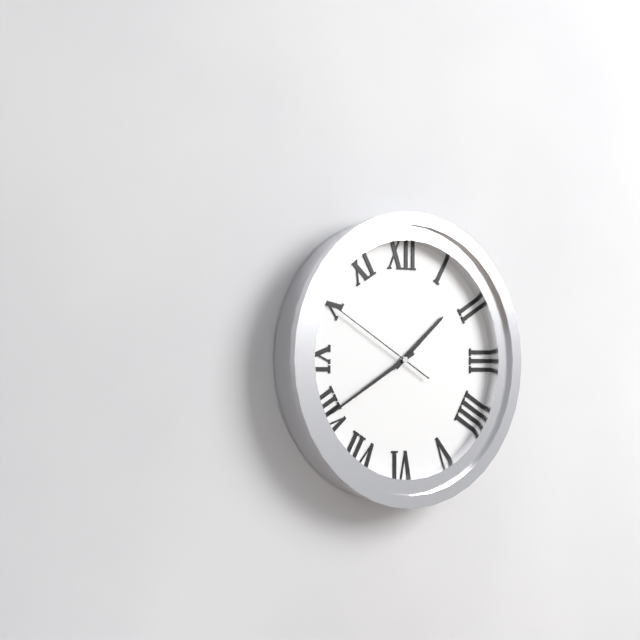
1:40:50
